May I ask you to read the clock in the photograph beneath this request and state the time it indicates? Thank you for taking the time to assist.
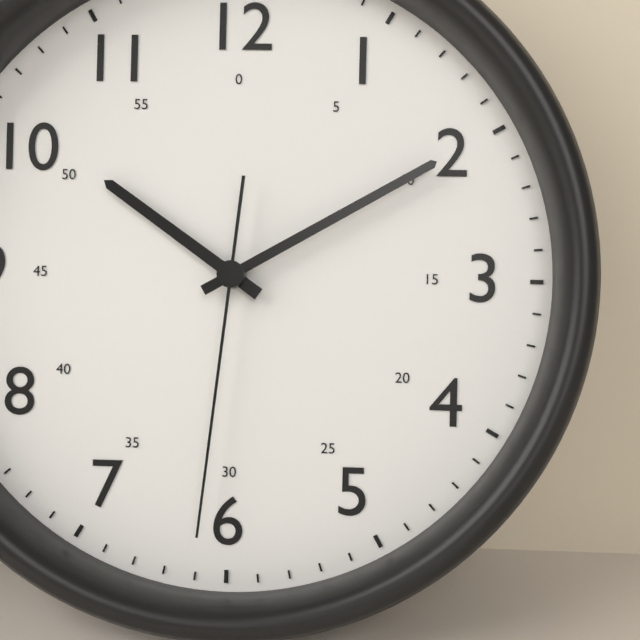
10:10:31
